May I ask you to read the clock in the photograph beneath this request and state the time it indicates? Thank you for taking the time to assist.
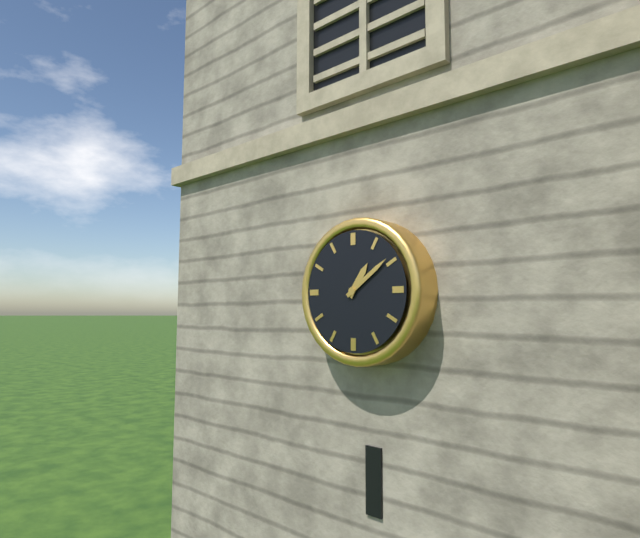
1:09
